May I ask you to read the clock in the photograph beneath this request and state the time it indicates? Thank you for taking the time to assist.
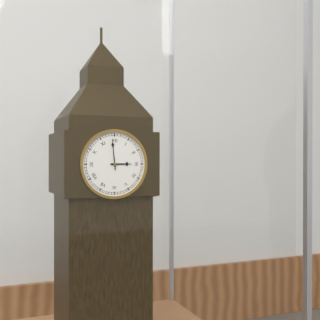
2:59
